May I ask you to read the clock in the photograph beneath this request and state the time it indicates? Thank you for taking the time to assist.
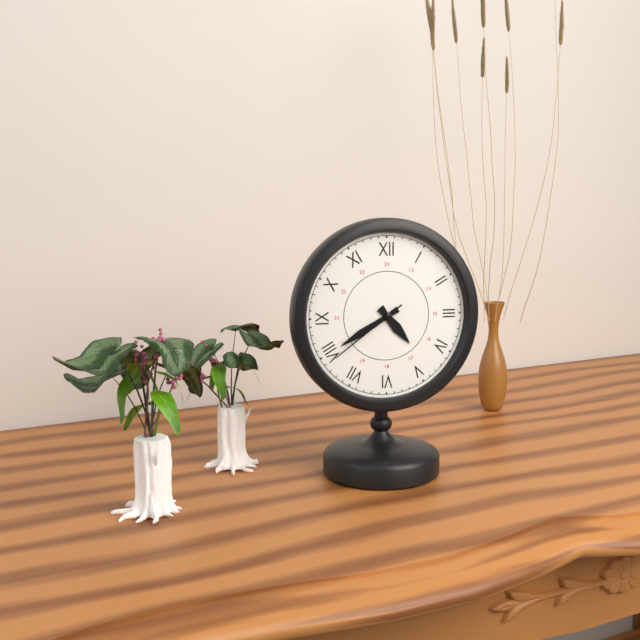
4:40:39
